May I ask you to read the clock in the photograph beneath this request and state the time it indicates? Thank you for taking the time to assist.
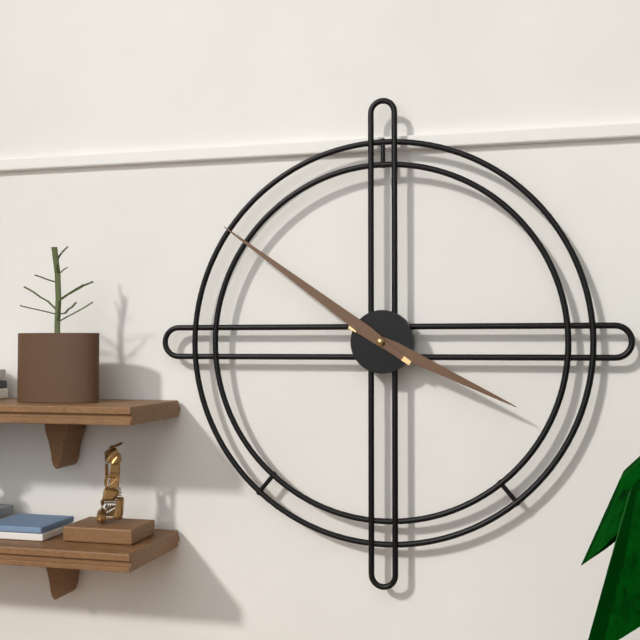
3:51
